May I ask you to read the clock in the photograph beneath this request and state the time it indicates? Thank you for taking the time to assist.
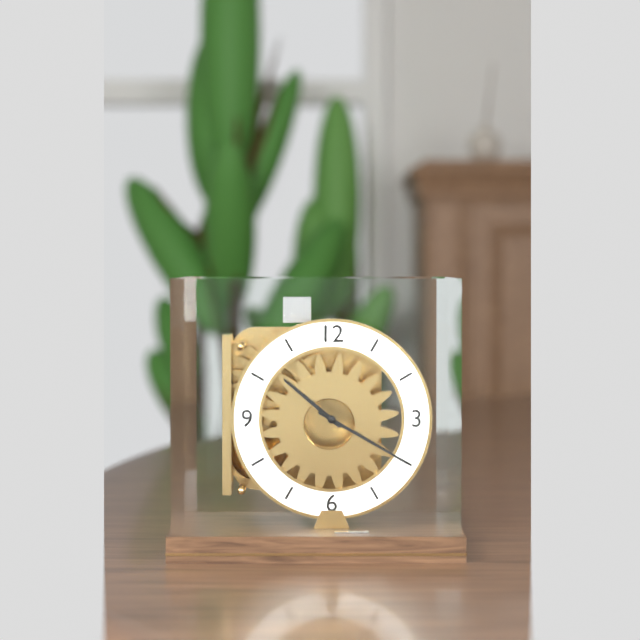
10:20
